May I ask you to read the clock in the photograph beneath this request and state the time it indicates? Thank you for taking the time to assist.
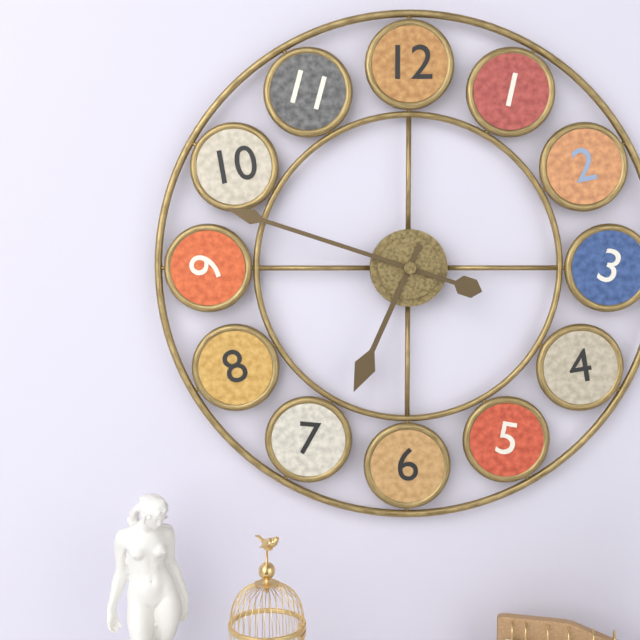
6:48
